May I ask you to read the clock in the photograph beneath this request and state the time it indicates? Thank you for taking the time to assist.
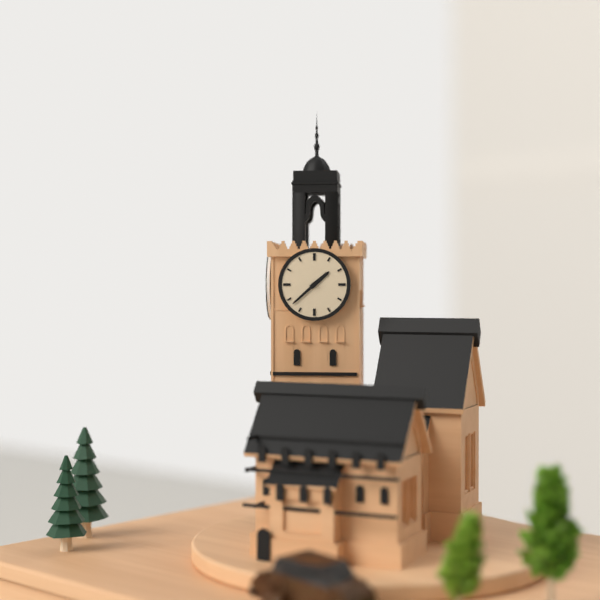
1:38
